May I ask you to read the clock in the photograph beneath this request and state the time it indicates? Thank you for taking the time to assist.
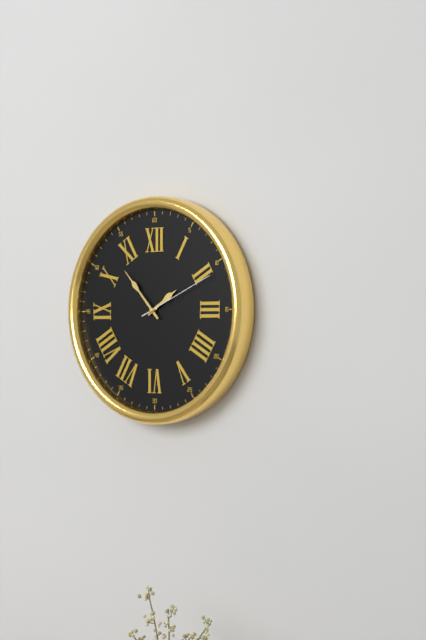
1:53:11
